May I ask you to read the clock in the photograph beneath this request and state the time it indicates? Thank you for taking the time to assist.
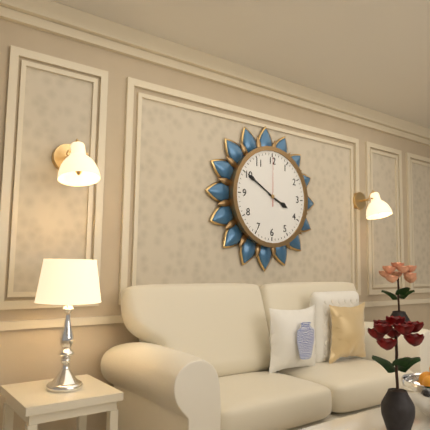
3:50:00
